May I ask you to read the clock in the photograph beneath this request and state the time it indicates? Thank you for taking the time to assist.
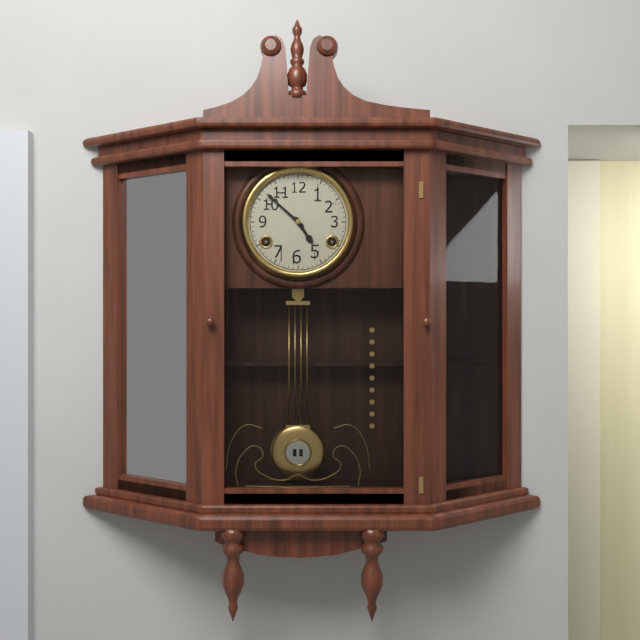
4:52
